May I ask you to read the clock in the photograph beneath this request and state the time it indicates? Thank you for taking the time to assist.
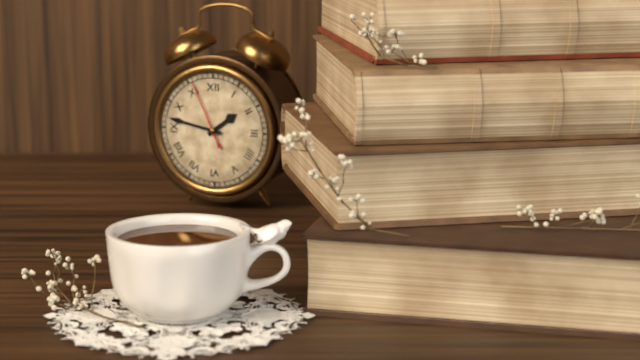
1:47:56
